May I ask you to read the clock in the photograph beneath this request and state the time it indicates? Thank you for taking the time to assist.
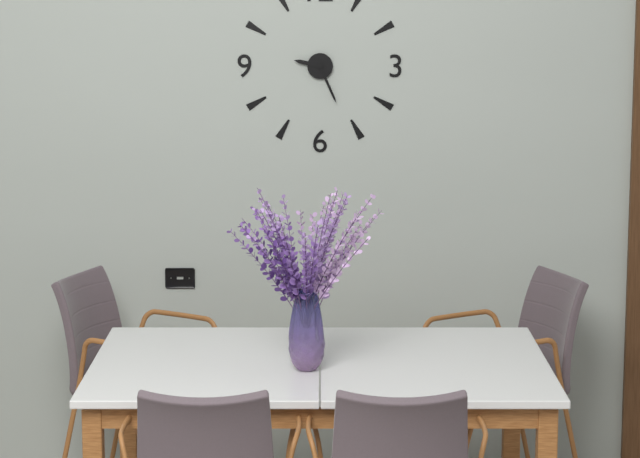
9:26
